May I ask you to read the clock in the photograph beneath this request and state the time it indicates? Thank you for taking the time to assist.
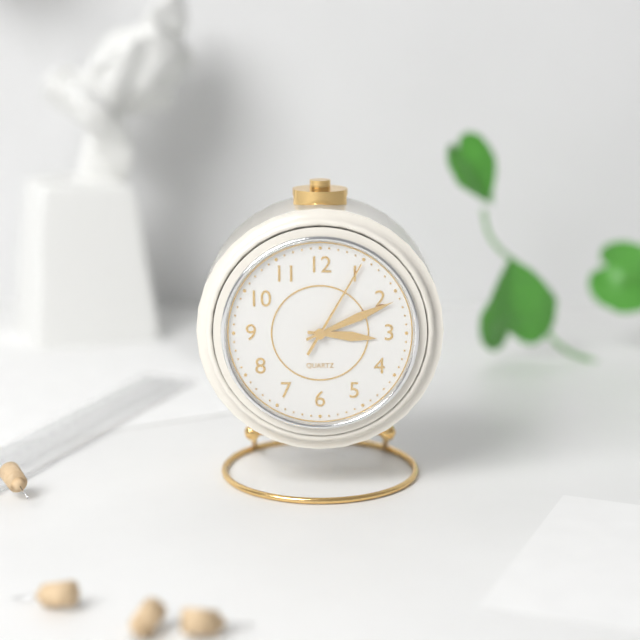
3:11:05
